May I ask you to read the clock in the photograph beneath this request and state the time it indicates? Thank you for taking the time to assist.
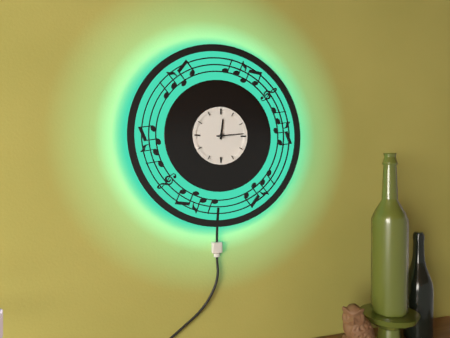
12:14
